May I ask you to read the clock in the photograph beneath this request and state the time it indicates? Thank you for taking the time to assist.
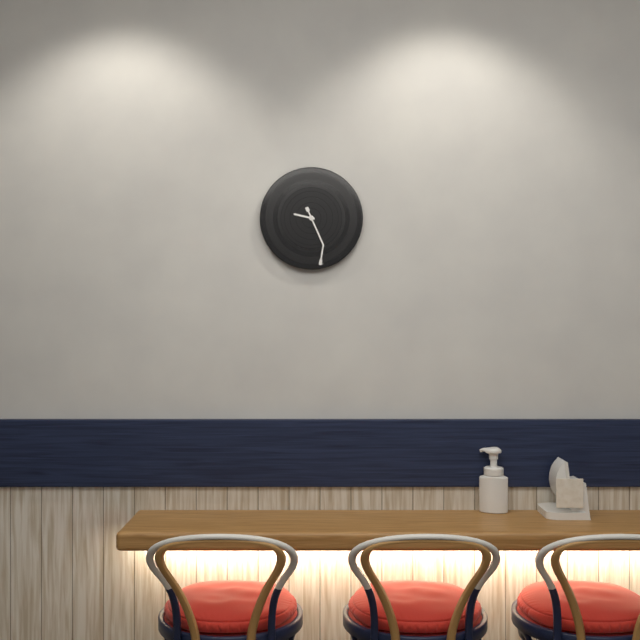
9:26
